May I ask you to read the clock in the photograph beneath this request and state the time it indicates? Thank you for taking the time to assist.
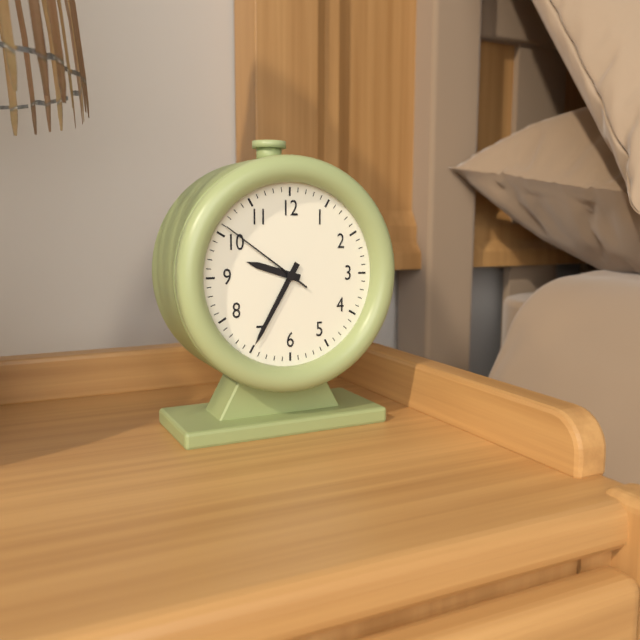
9:35:51
